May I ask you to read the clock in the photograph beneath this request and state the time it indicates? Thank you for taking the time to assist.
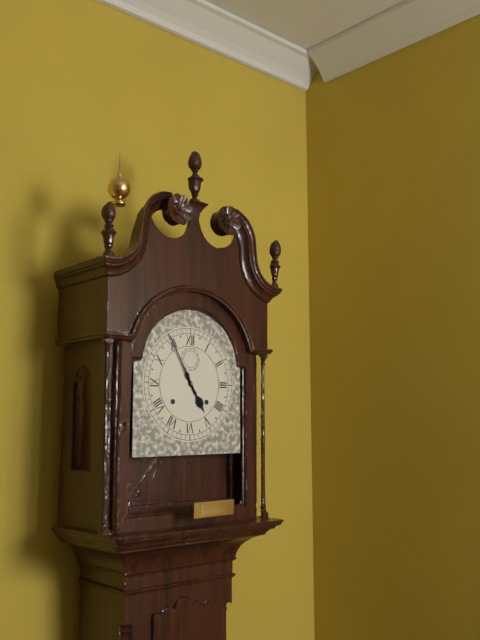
4:55
